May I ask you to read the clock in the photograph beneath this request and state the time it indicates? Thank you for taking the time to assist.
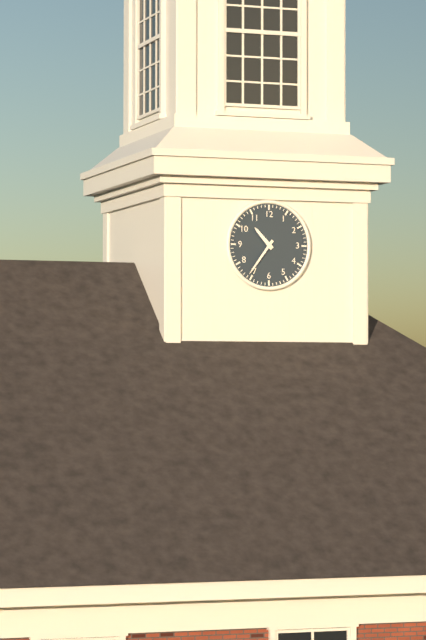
10:36
